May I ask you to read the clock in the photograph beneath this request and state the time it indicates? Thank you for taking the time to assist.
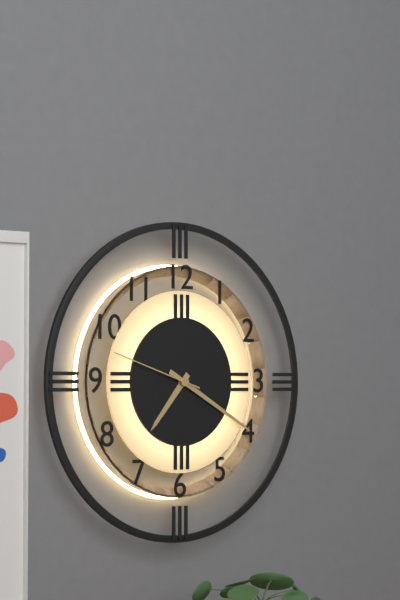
7:20:48
